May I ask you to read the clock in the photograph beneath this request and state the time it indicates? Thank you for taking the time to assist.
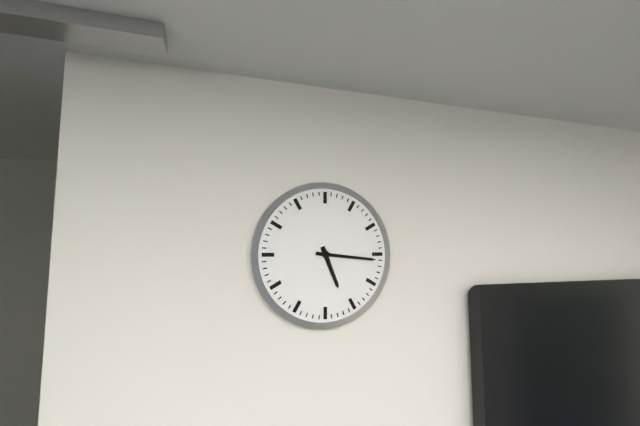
5:16
